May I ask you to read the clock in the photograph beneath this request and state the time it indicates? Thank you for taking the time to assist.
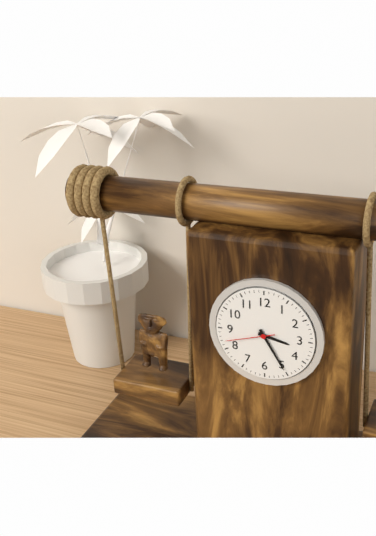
3:25
